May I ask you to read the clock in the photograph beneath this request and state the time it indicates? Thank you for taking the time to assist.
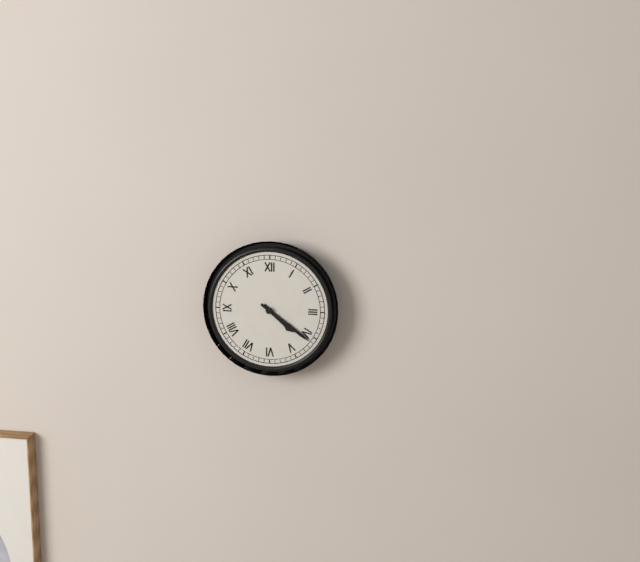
4:21
